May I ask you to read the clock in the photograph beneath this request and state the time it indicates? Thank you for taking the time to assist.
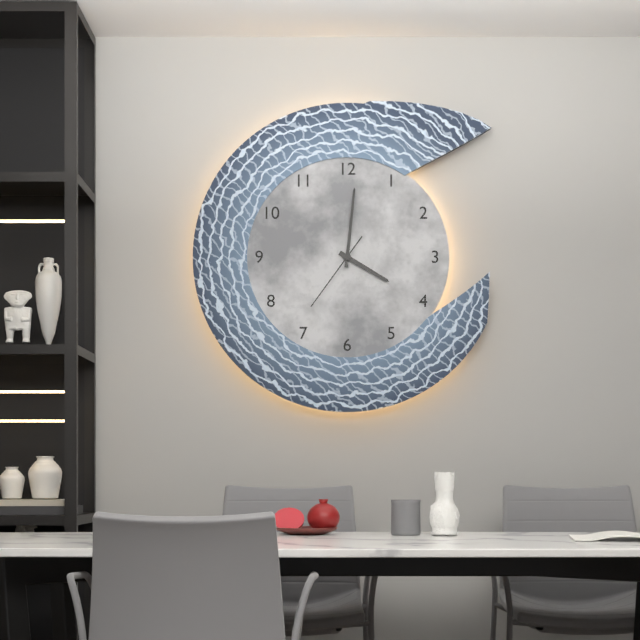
4:01:36
